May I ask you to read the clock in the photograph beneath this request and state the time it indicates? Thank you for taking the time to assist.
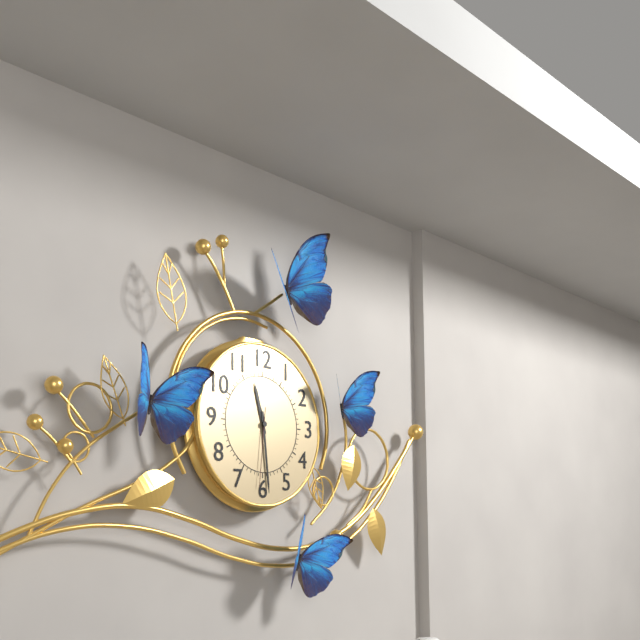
11:29:31
